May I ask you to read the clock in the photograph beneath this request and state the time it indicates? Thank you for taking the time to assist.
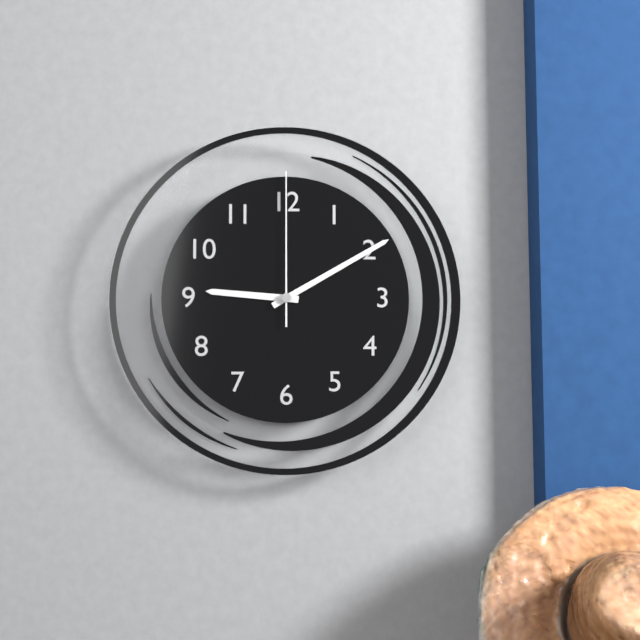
9:10:00
